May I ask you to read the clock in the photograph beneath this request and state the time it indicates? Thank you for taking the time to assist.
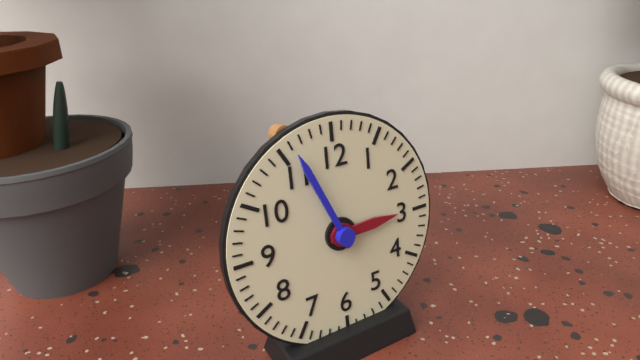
2:56
